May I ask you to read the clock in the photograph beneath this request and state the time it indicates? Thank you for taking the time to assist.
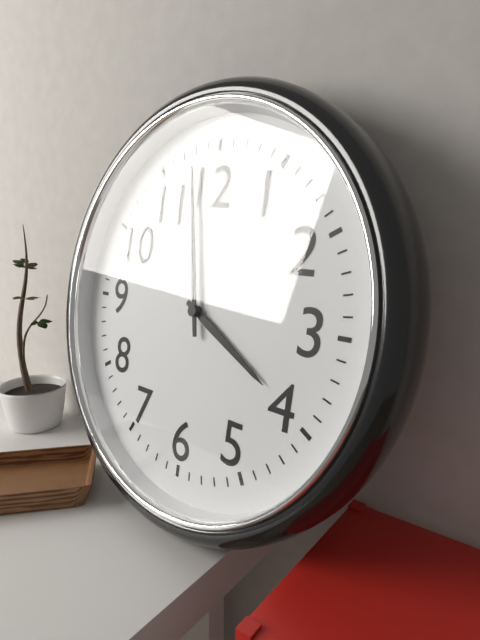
3:58
